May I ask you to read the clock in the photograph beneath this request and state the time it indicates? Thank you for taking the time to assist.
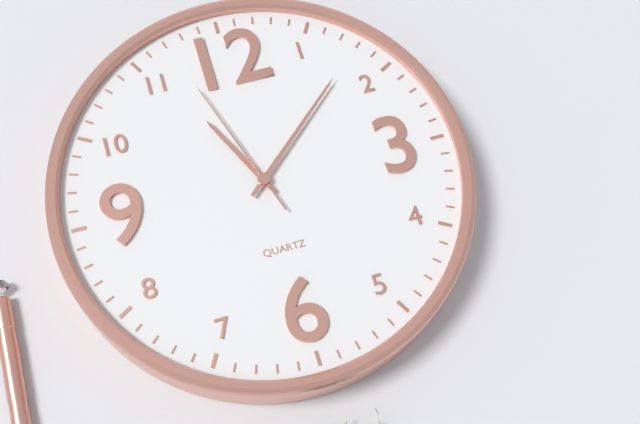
11:08:57
